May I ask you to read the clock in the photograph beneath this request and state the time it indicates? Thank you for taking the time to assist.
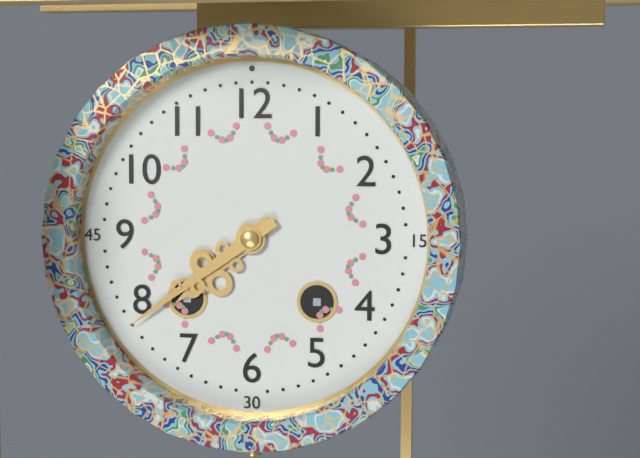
7:39
